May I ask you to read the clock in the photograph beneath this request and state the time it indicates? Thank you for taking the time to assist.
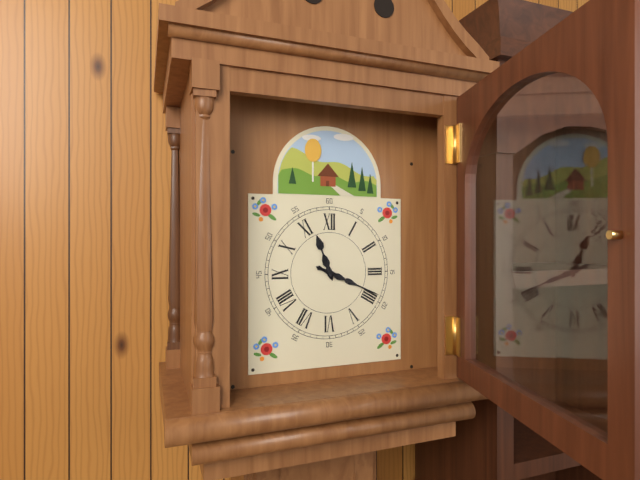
11:19
